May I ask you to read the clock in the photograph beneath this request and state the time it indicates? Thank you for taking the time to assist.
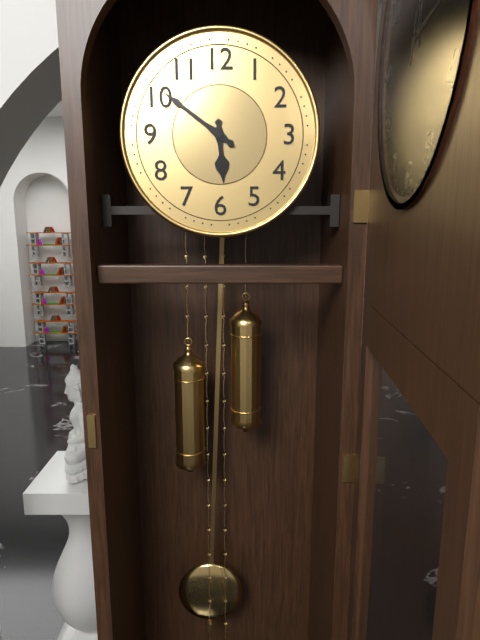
5:51
